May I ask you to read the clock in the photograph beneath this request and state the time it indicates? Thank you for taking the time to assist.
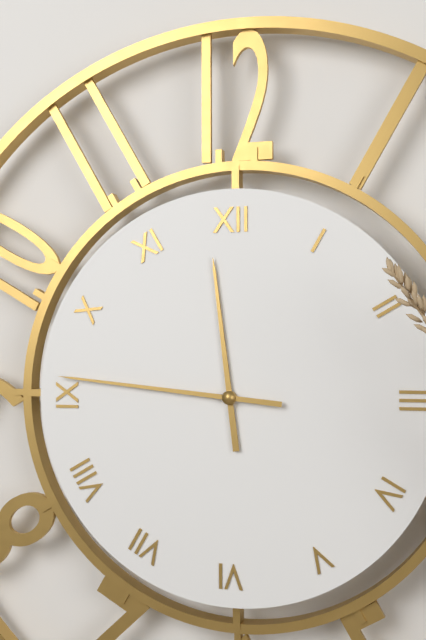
11:46
